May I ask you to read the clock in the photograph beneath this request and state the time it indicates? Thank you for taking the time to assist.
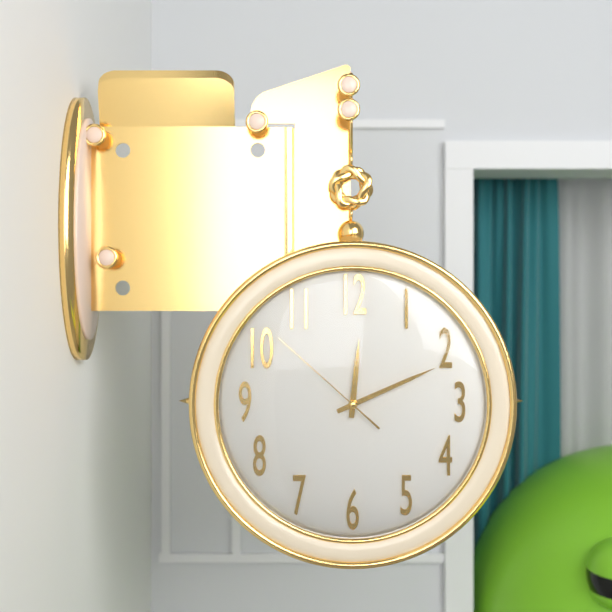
12:11:52
